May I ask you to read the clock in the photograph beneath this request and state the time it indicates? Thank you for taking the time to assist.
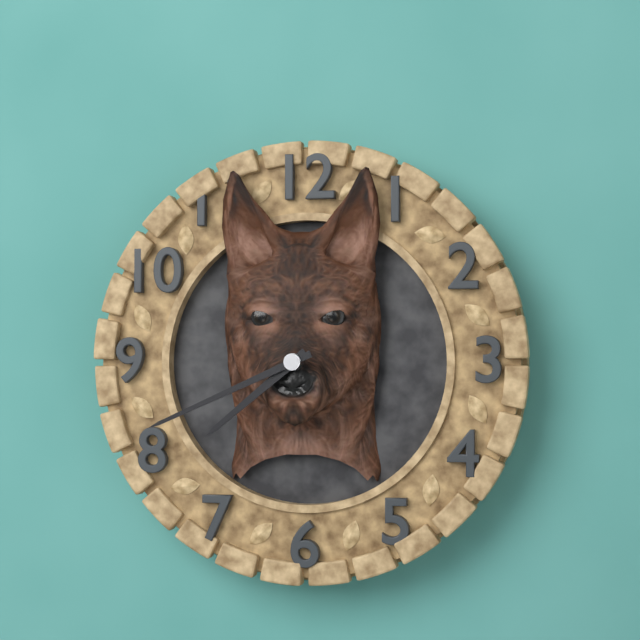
7:41
